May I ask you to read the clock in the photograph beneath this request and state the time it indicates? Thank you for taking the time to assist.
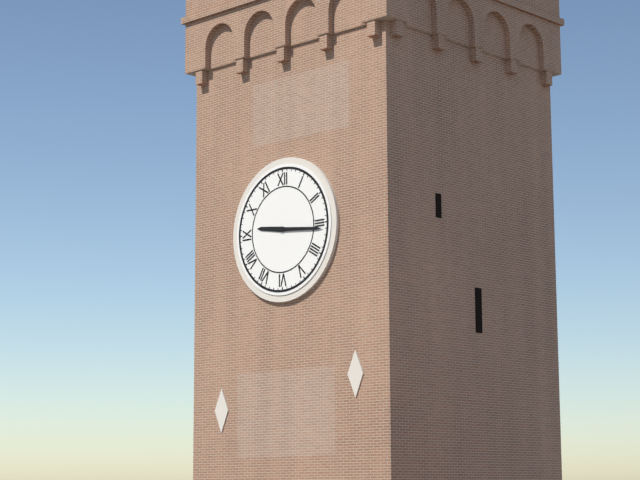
9:16
